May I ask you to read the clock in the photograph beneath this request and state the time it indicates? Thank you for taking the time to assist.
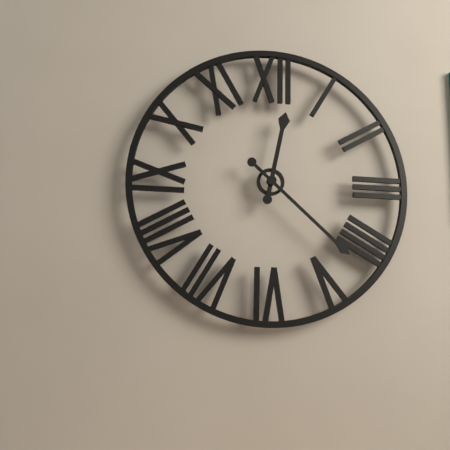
12:22
